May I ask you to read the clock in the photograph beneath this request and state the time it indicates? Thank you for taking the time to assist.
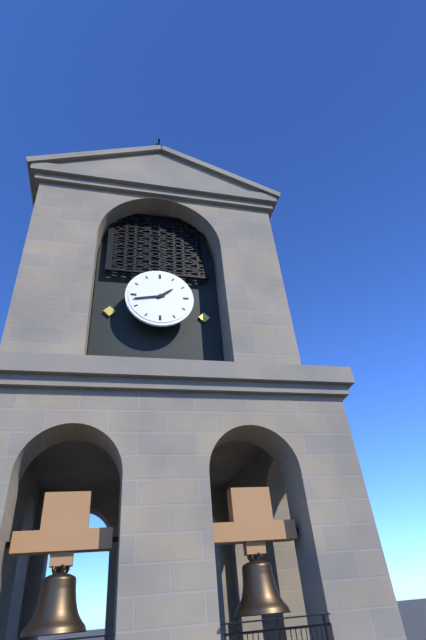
1:43
